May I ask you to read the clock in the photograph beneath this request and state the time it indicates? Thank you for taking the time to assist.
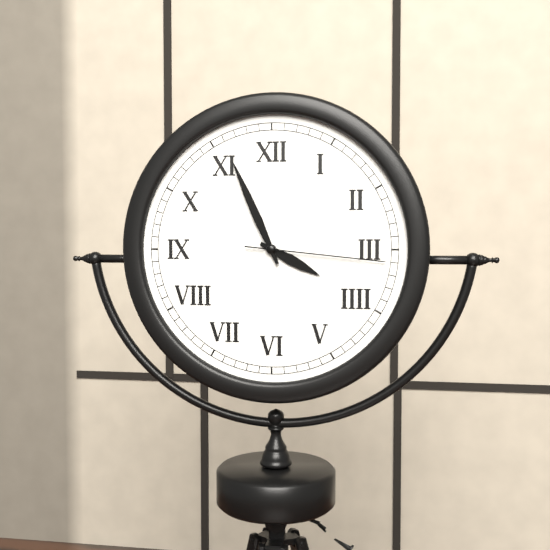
3:56:16
